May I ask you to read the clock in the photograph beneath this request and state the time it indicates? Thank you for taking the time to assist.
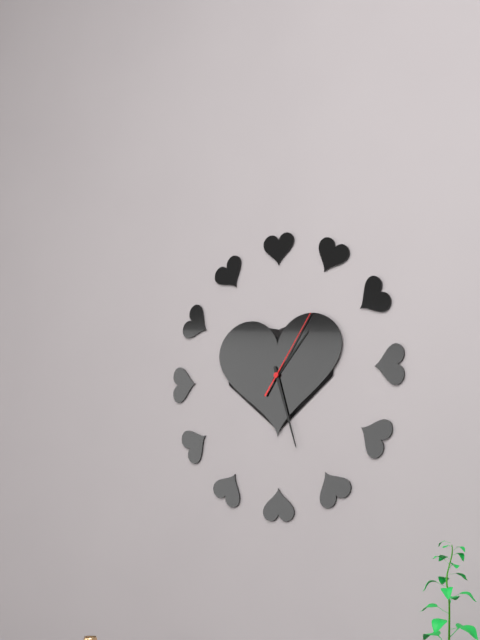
1:27:06
